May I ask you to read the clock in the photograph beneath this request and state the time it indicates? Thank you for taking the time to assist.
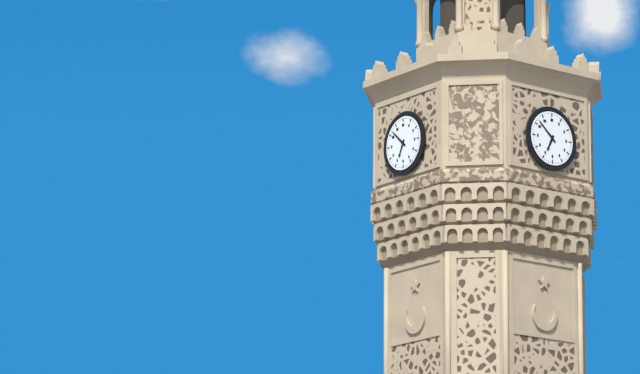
6:52
